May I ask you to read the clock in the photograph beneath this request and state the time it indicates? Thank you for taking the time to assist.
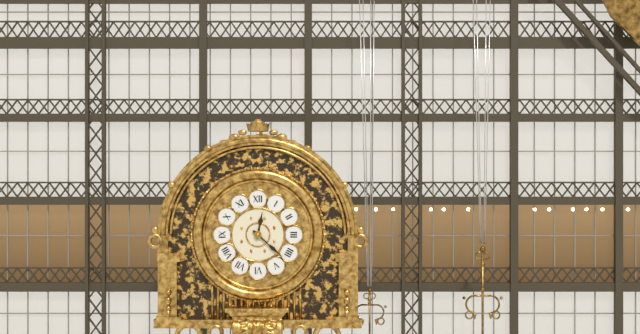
12:22
